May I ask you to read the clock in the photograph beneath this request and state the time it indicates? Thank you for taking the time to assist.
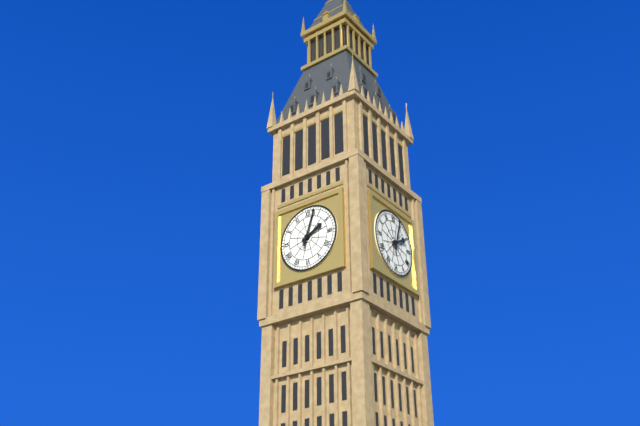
2:03
